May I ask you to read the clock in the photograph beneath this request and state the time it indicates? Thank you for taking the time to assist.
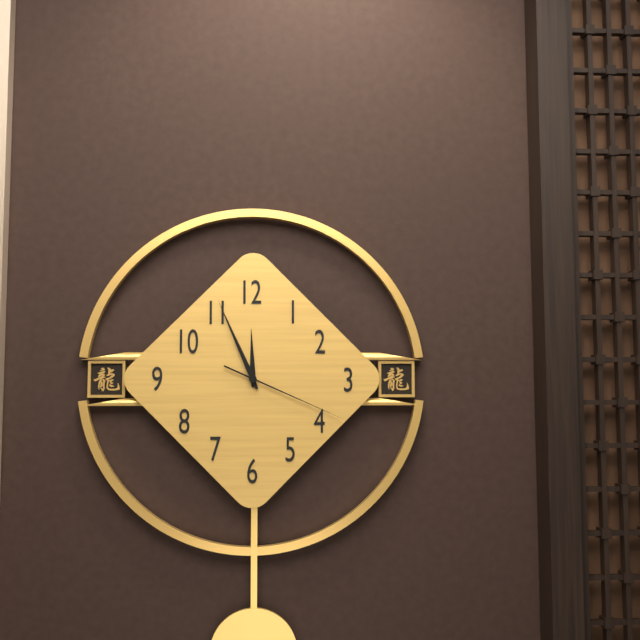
11:56:19
